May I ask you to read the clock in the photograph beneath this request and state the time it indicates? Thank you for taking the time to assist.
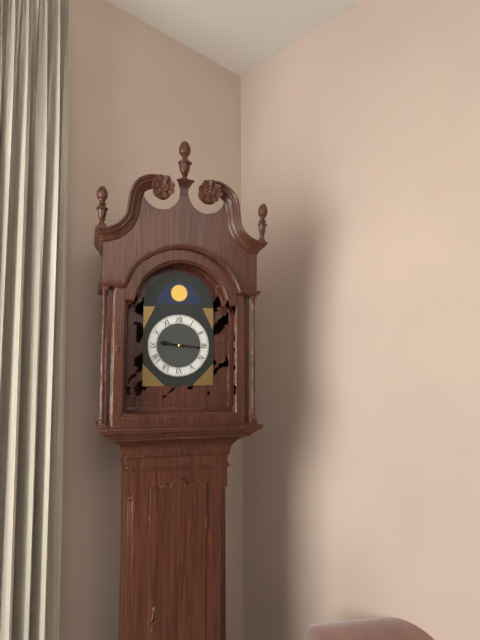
9:16
